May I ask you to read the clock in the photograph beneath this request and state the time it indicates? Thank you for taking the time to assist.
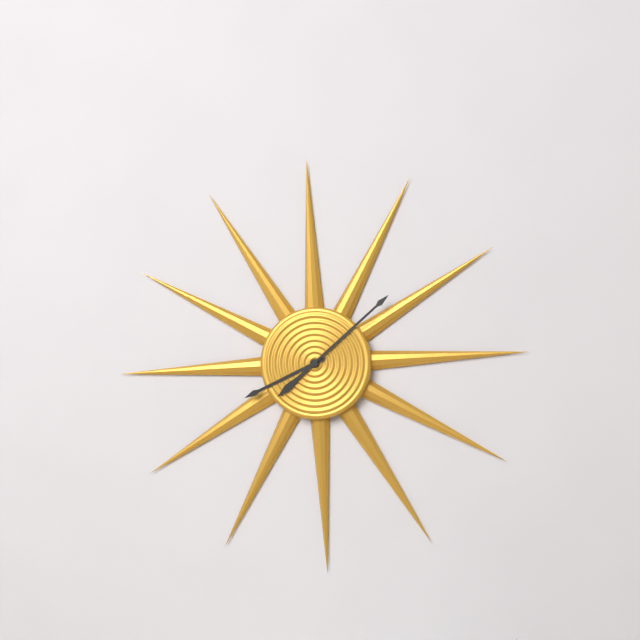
8:08
